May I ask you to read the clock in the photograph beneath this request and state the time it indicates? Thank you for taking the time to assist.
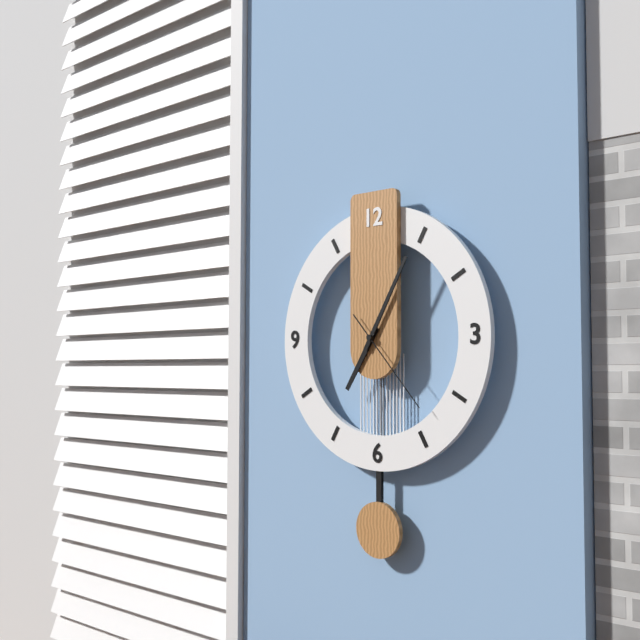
7:05:23
